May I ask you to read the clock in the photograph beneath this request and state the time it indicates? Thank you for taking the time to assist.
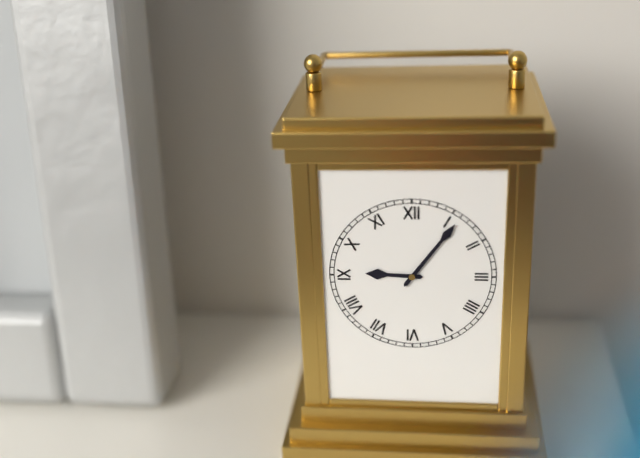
9:06
